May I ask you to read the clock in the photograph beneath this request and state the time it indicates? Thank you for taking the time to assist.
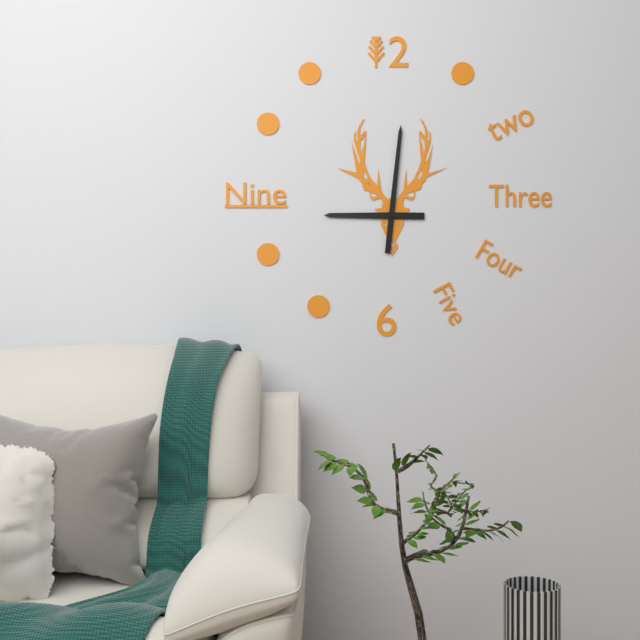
9:01
